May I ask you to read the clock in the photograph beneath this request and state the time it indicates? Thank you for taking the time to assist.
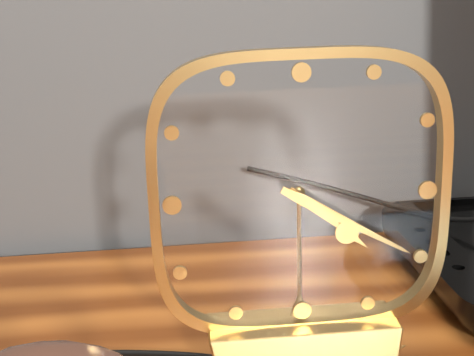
4:20
